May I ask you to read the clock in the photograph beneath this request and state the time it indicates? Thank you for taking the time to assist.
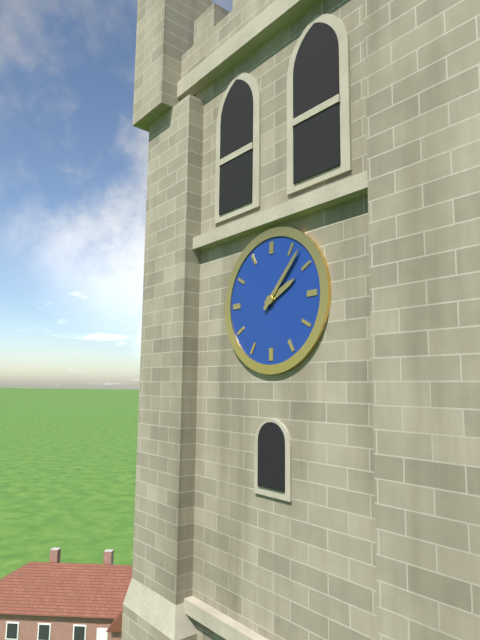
2:07
